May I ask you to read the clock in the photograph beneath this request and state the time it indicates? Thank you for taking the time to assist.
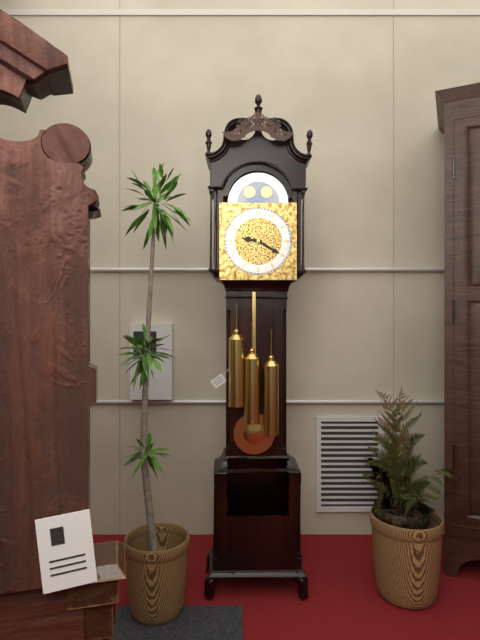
9:20
